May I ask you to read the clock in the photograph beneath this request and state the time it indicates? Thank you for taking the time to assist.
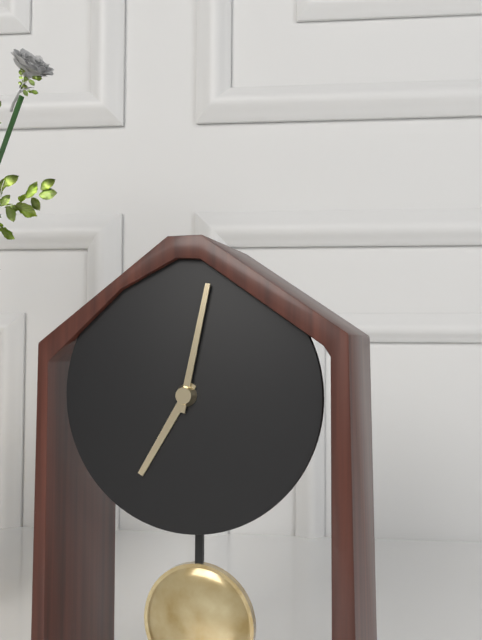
7:02
